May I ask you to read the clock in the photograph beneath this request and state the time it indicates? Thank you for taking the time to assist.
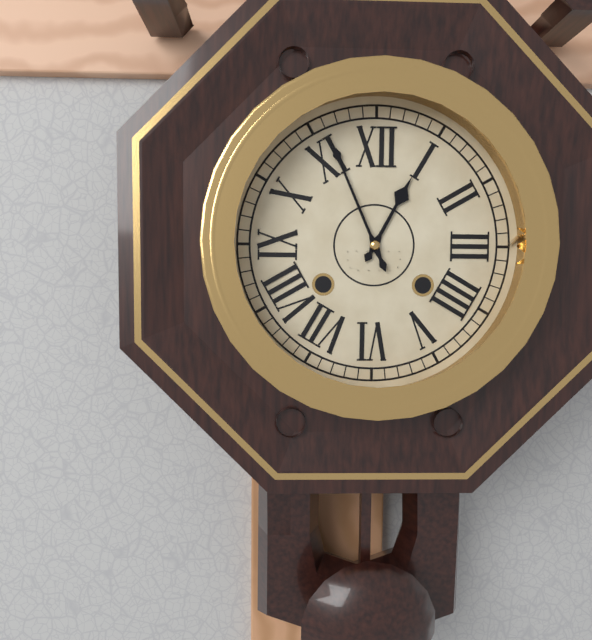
12:56
